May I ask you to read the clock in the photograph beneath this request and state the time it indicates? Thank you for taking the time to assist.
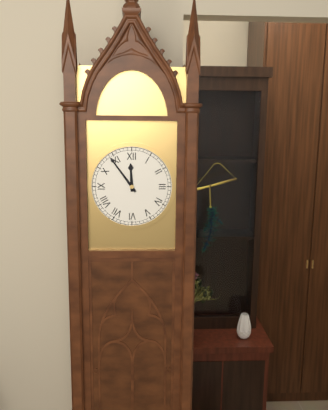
11:54
